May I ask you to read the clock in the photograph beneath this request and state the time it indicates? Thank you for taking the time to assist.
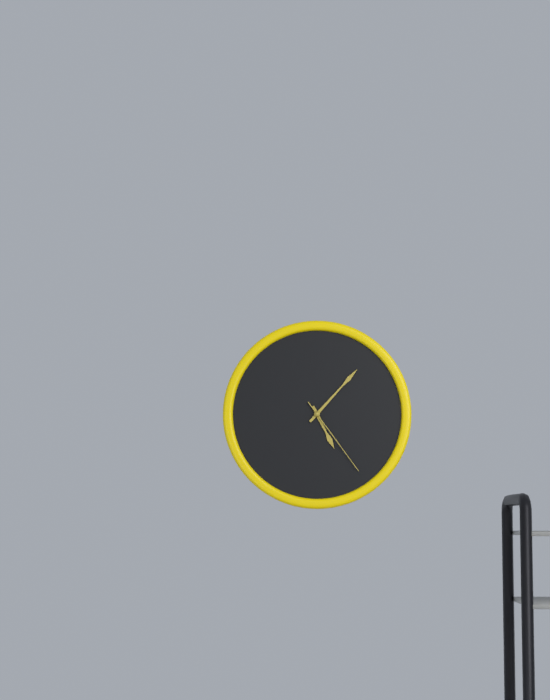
5:07:24
